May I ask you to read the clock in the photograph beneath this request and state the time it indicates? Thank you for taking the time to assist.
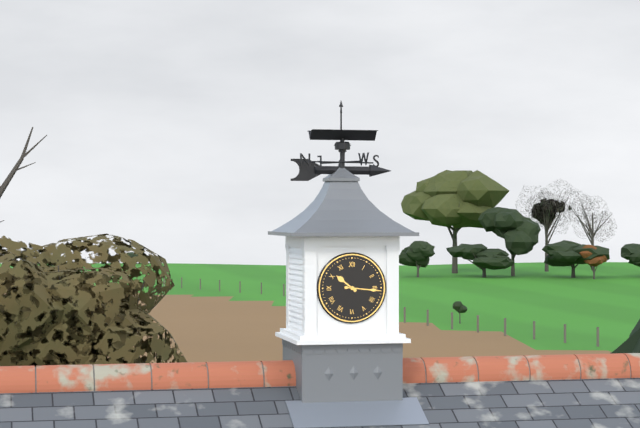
10:16
